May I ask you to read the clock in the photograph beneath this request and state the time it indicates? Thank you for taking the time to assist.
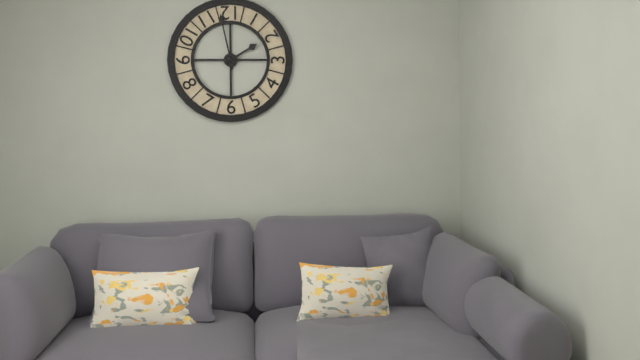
1:58
